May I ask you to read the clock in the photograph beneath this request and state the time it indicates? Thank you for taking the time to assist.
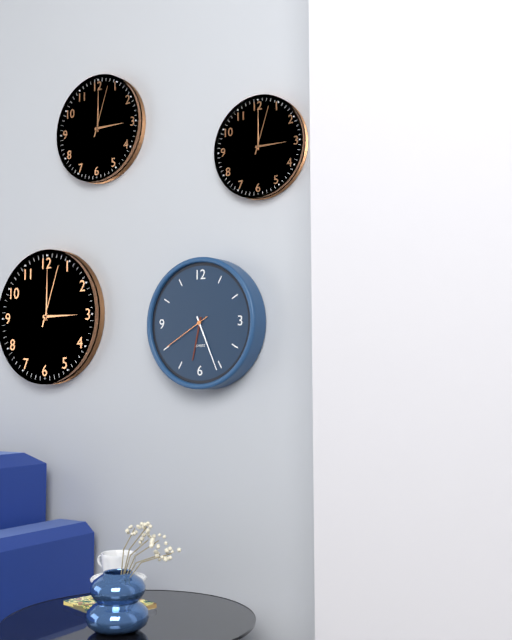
6:26
